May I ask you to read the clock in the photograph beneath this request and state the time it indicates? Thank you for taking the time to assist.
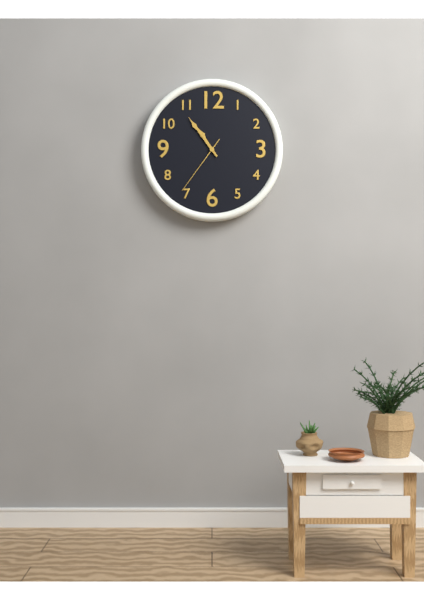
10:54:36
